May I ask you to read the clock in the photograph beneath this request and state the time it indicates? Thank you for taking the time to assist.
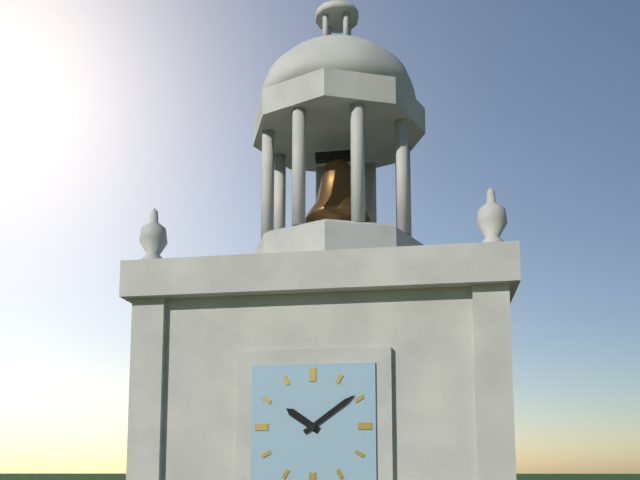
10:09
